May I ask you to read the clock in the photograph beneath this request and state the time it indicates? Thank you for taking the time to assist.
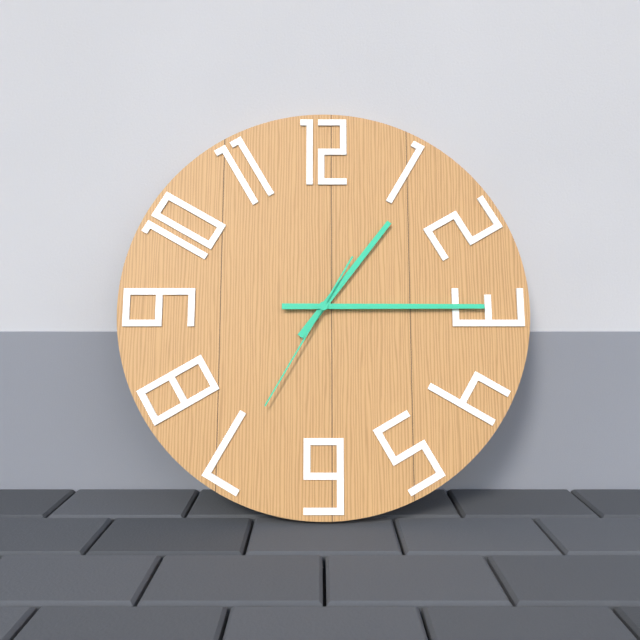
1:15:35
